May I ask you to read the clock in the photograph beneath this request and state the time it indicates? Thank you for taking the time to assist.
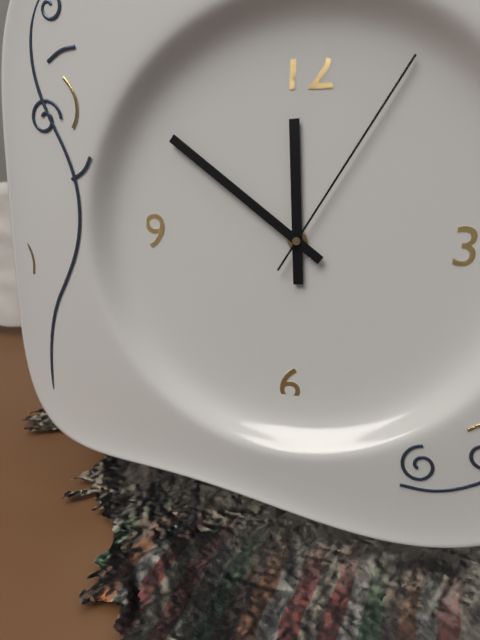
11:51:05
